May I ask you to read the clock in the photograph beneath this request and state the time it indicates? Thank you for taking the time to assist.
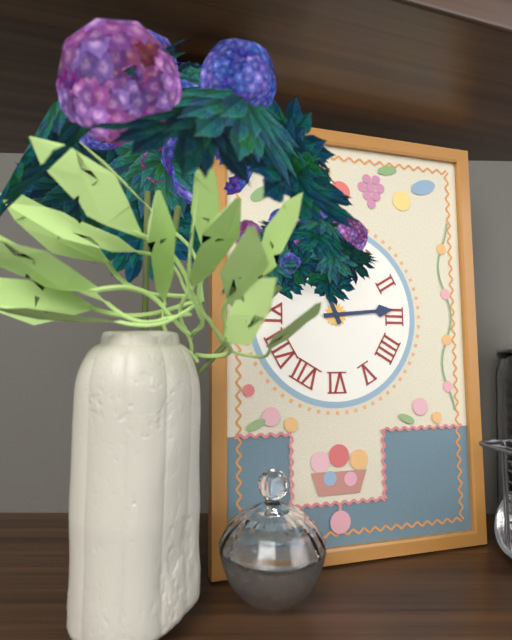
11:14
